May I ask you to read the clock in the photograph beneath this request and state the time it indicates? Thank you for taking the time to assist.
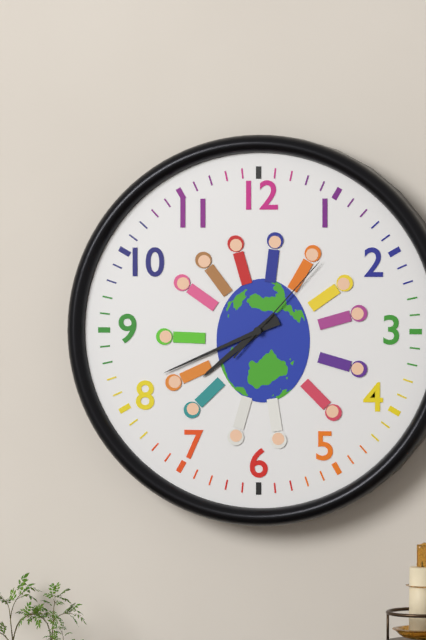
7:41:07
